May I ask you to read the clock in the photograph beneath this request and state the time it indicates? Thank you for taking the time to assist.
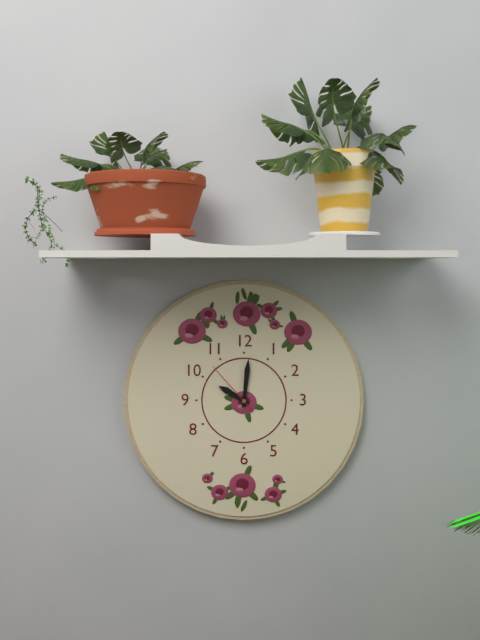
10:01:53
